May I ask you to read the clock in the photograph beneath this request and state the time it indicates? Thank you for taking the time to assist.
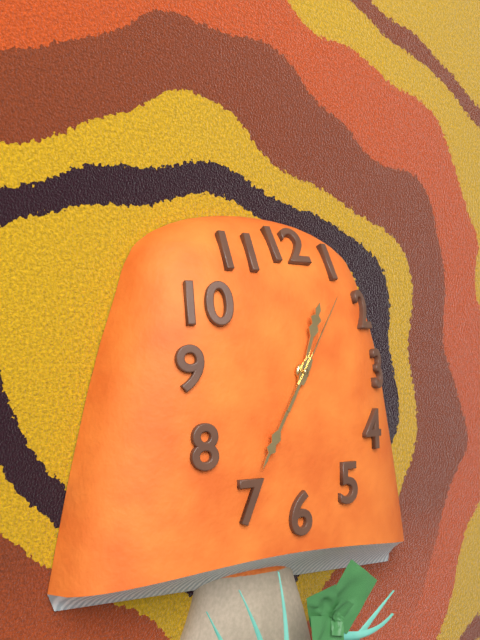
12:35:05
